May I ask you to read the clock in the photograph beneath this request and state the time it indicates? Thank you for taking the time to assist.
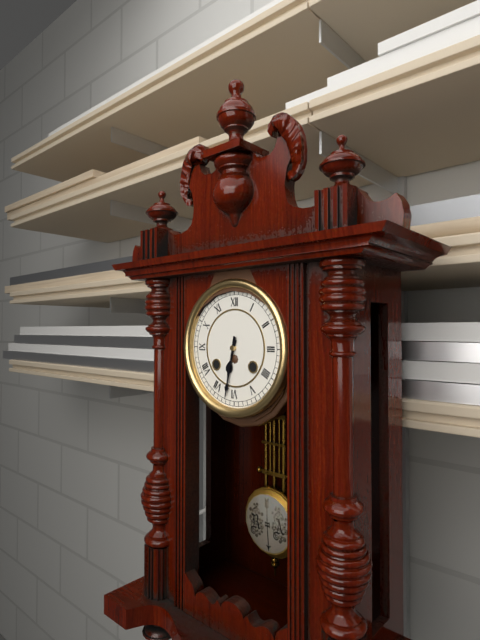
6:32
